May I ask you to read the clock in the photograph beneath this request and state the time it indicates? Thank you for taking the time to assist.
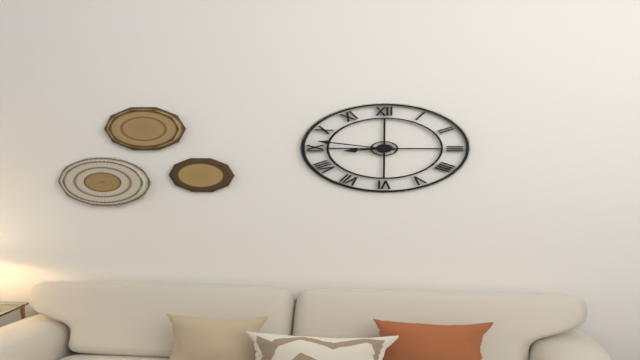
8:47
